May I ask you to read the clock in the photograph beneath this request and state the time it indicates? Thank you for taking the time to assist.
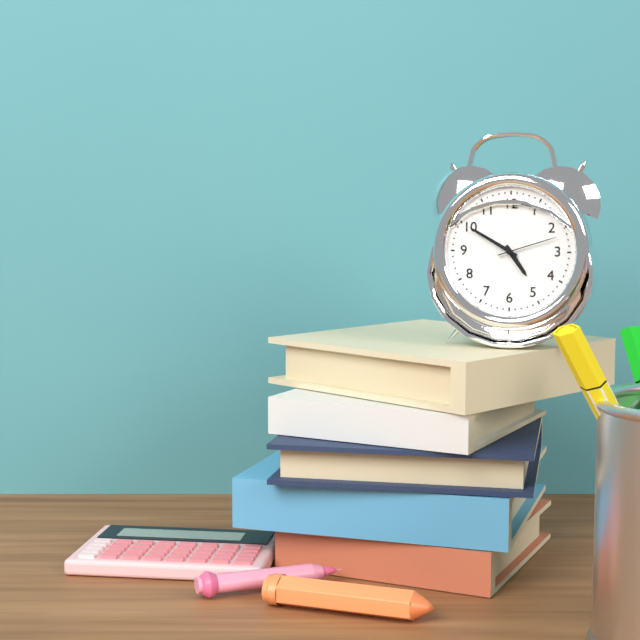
4:50:12
